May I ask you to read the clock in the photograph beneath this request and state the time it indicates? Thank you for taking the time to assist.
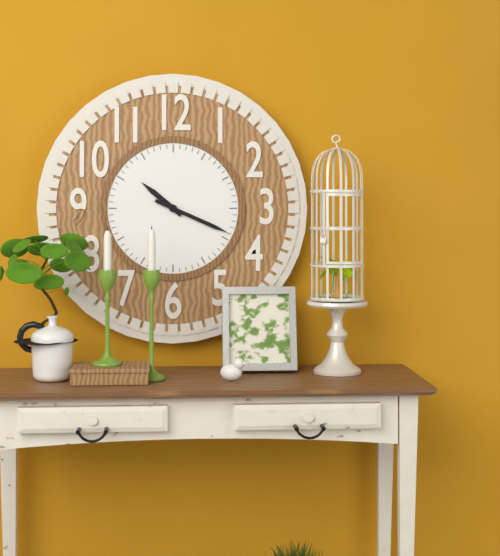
10:19
